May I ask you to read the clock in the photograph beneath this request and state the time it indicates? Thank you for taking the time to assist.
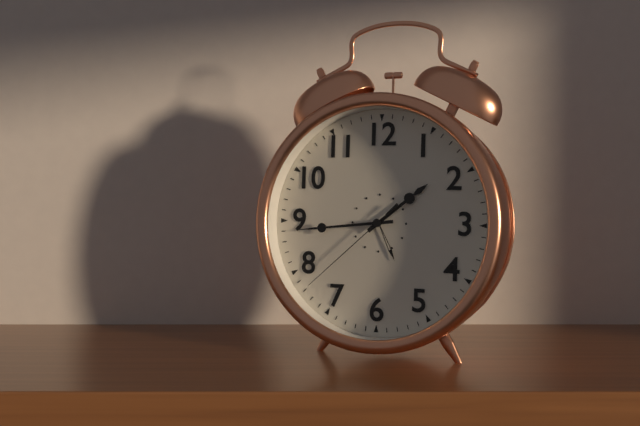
1:44:38
